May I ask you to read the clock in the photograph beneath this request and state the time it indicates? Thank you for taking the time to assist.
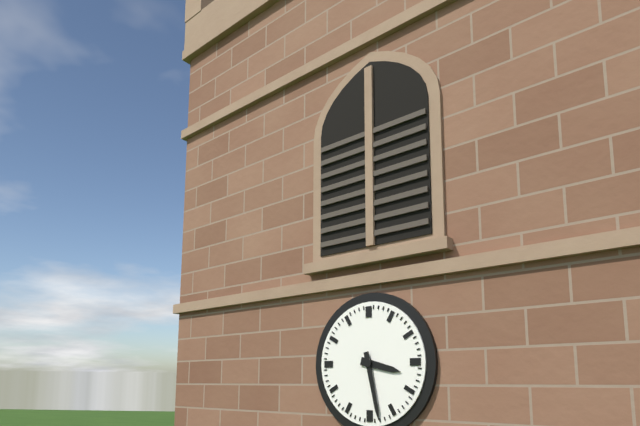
3:28
